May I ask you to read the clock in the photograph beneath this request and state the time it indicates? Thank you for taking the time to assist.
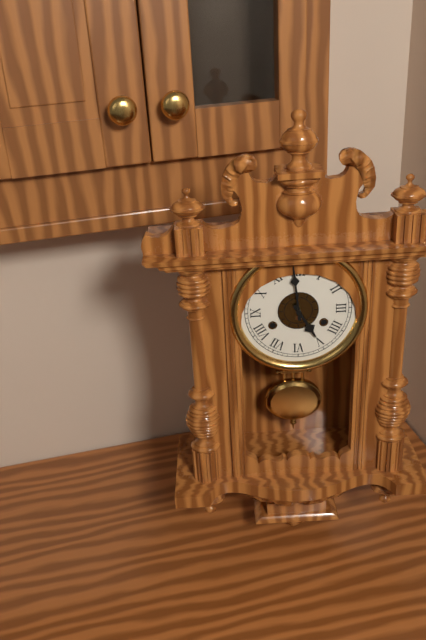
4:59
